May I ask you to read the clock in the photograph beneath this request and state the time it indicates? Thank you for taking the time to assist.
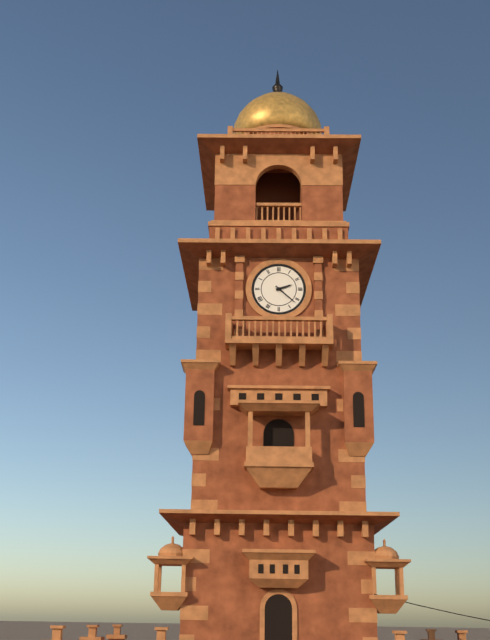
2:22
